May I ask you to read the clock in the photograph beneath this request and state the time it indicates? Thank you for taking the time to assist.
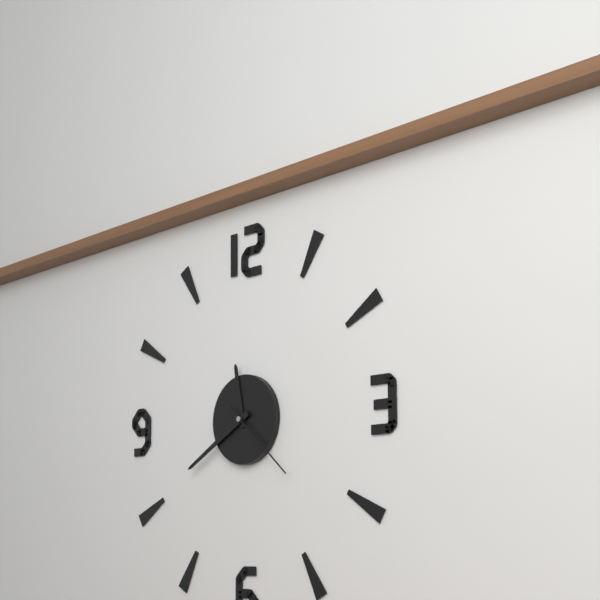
11:40:22
